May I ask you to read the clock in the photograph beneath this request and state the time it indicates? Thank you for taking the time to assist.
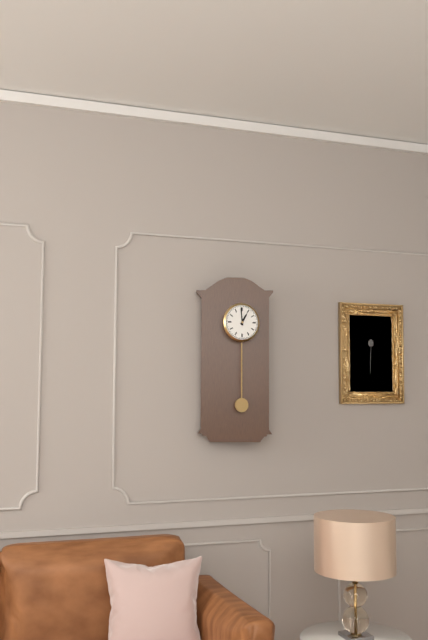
12:59
